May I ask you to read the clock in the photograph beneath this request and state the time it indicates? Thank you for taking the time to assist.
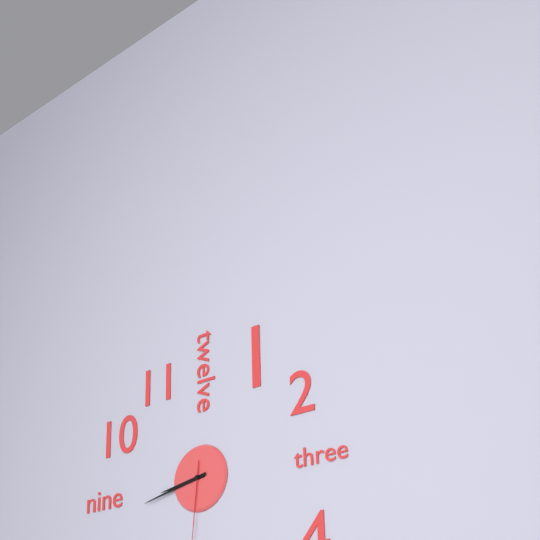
8:43
